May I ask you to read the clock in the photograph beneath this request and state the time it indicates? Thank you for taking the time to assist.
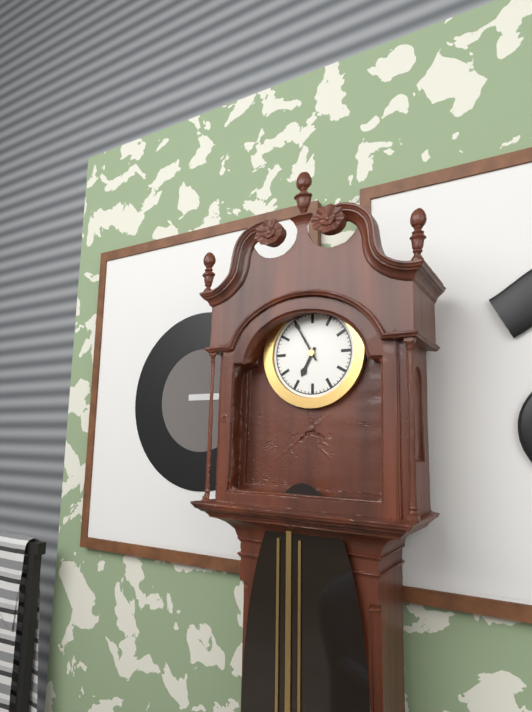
6:55
